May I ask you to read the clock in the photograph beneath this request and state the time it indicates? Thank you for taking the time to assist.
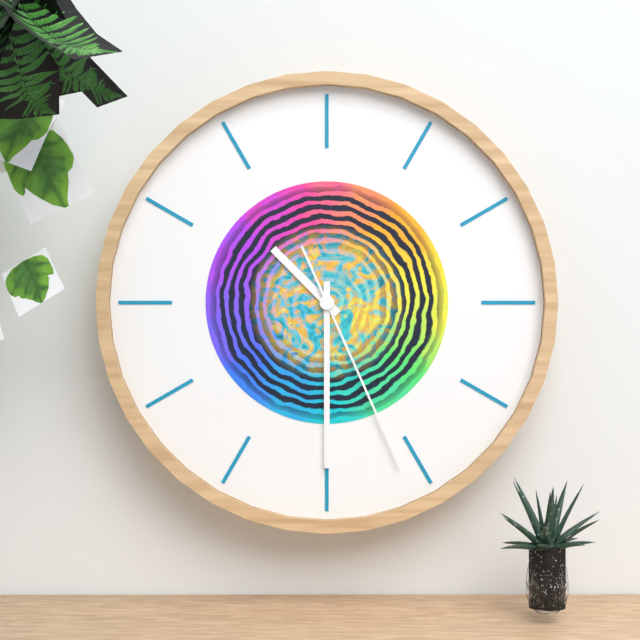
10:30:26
